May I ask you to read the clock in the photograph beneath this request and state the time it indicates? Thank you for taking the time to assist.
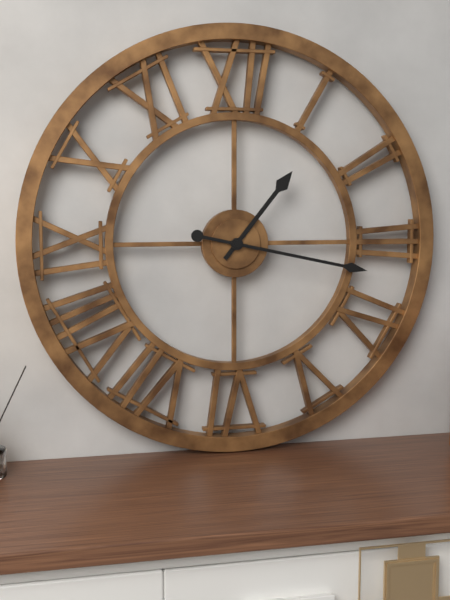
1:17
